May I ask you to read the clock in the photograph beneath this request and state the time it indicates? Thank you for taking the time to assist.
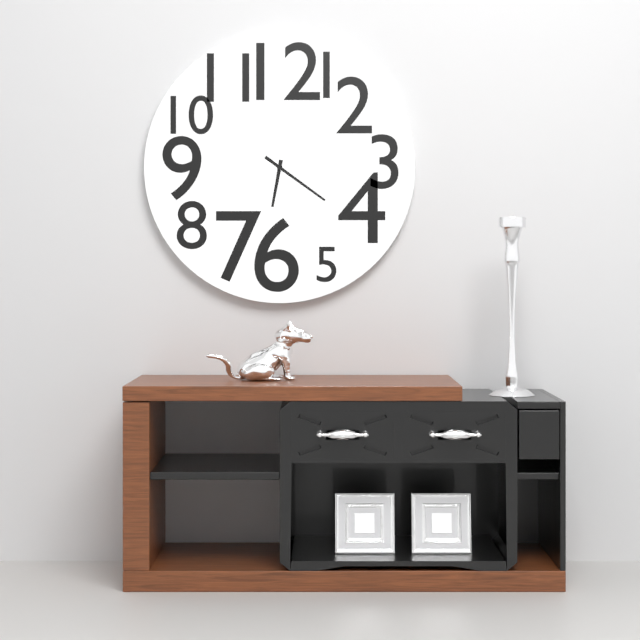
6:21
